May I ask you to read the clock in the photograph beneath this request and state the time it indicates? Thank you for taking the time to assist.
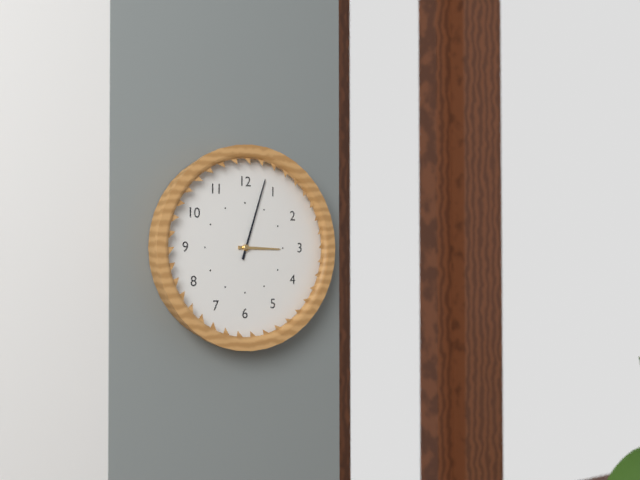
3:03
